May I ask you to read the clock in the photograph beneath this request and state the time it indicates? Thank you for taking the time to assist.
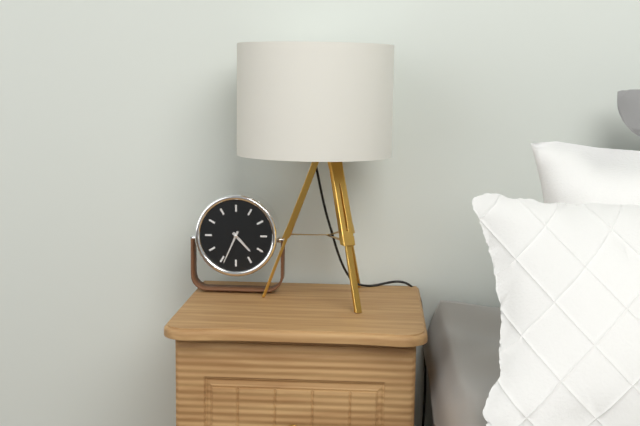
4:34
